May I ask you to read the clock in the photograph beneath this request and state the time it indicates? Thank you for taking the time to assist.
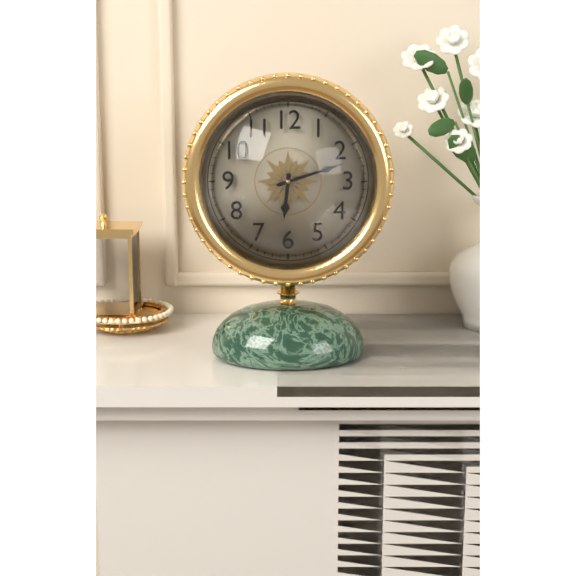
6:12
